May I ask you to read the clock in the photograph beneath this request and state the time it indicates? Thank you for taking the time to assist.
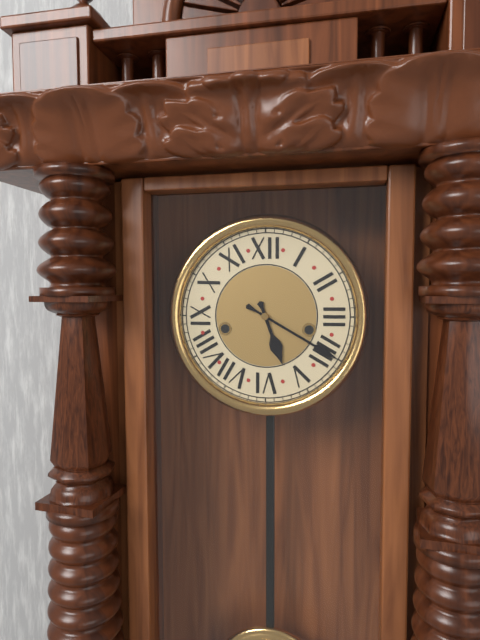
5:20
